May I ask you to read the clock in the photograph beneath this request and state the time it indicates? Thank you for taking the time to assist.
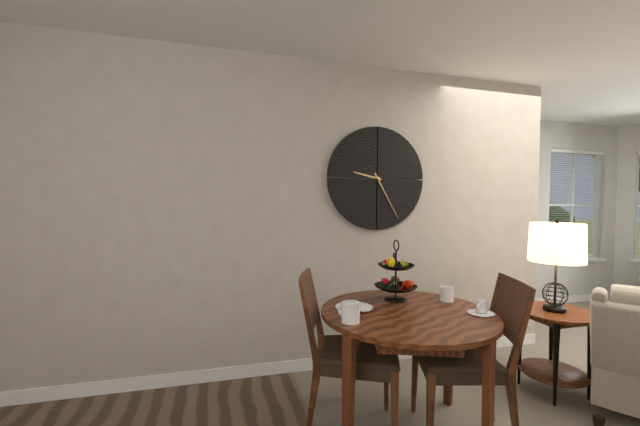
9:25
